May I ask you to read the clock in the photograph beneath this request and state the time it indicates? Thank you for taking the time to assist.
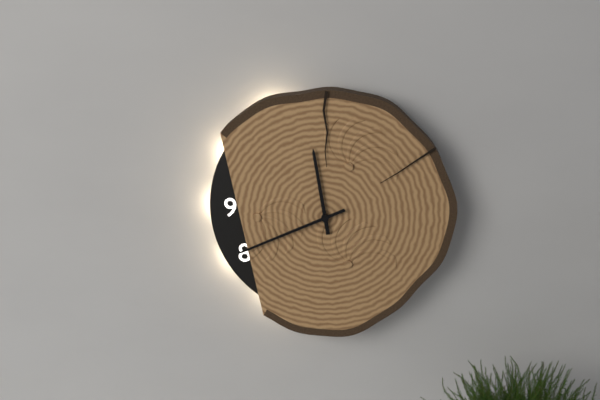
11:41
